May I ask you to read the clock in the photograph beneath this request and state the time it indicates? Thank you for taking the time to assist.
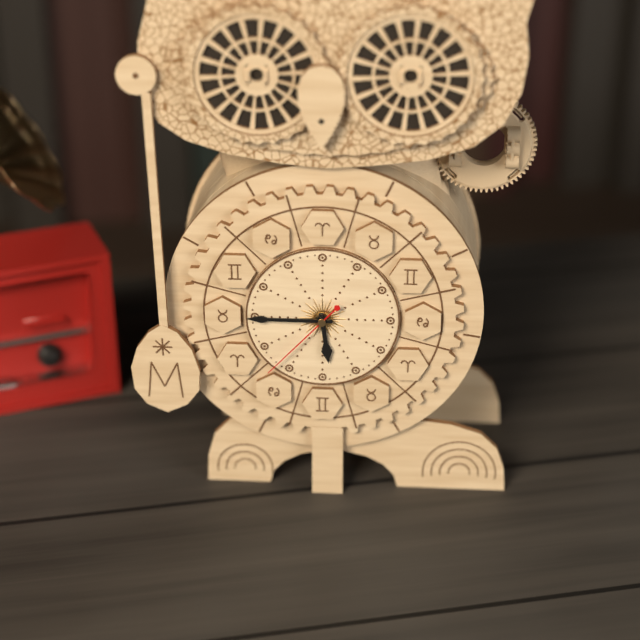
5:45:37
